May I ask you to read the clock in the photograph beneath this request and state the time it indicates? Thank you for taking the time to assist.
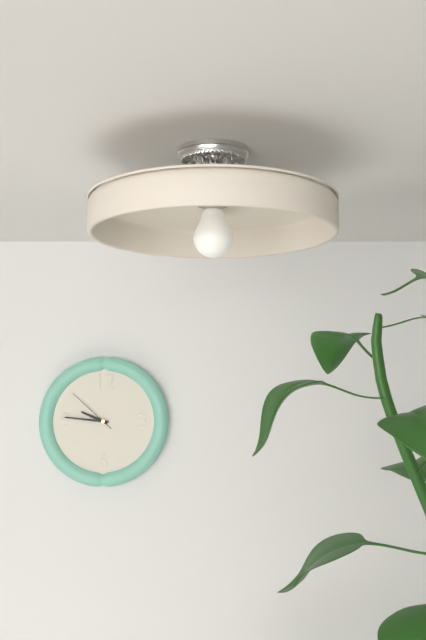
9:46:52
